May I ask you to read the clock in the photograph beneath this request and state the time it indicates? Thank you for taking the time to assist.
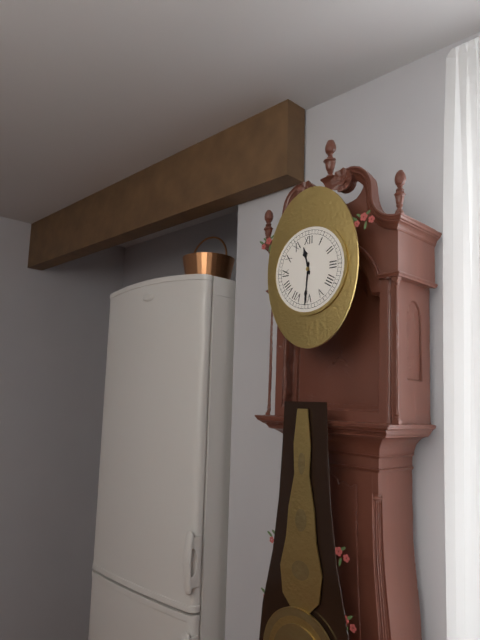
11:31
